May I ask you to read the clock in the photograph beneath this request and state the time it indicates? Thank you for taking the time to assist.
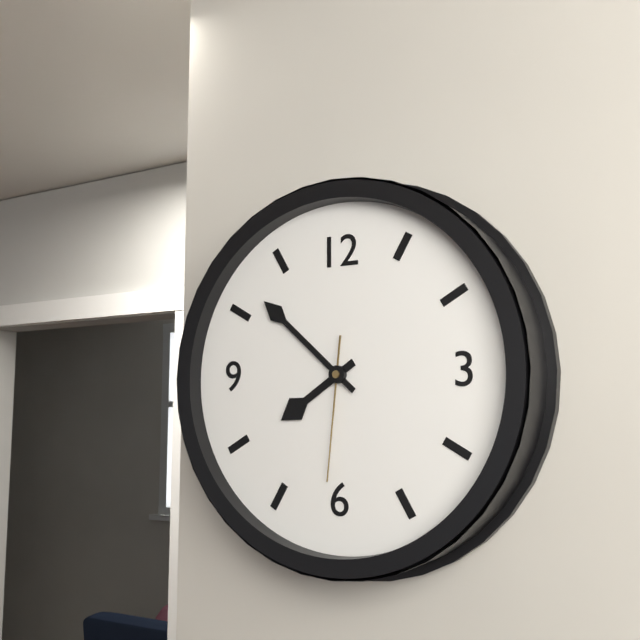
7:52:31
